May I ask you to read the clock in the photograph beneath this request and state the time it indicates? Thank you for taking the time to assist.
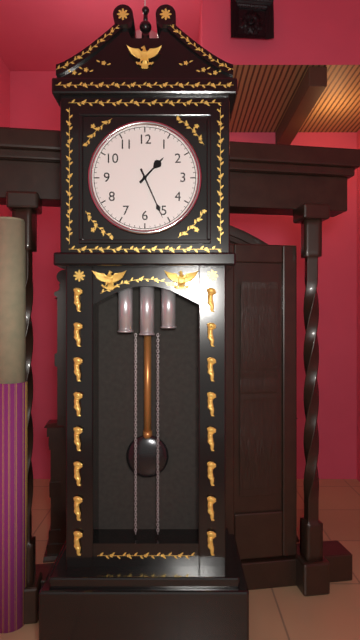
1:26
